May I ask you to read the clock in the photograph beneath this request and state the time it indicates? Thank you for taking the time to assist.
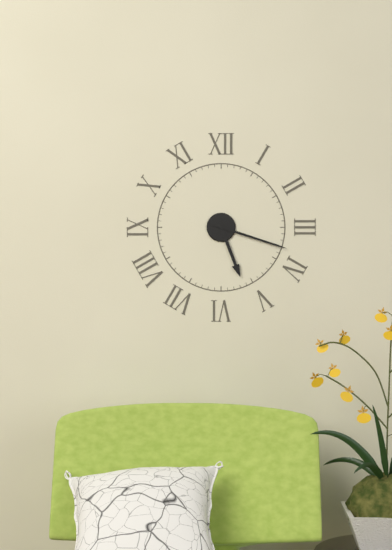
5:18
